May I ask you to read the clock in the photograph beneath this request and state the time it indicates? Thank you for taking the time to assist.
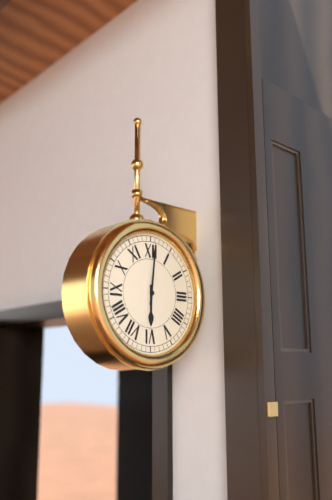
6:01
